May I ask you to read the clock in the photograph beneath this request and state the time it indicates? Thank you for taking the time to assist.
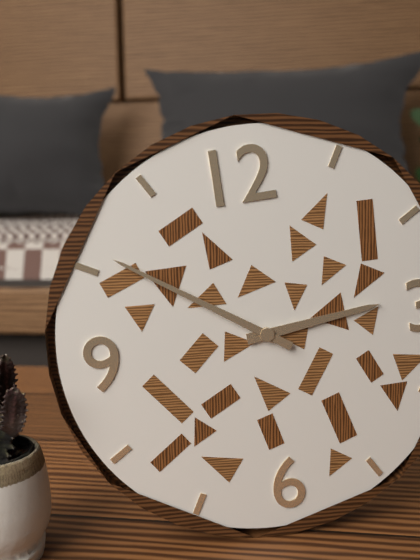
2:51
